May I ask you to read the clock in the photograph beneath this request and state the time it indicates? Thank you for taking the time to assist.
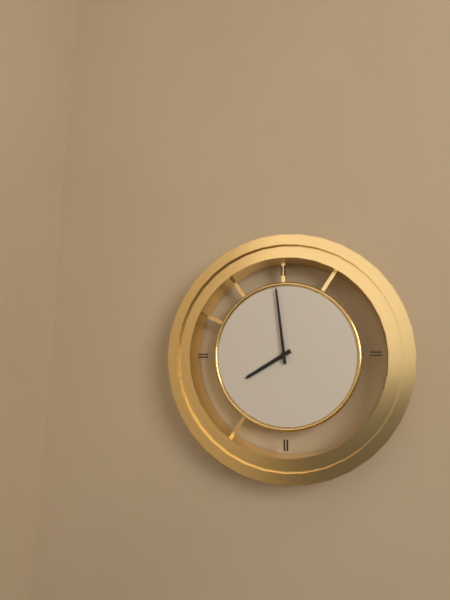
7:59
